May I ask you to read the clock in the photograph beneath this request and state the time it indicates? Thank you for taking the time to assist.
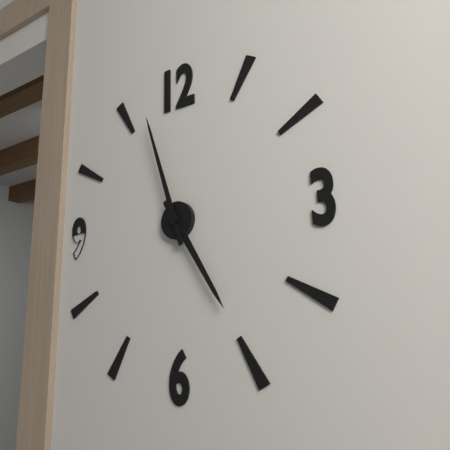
4:57
